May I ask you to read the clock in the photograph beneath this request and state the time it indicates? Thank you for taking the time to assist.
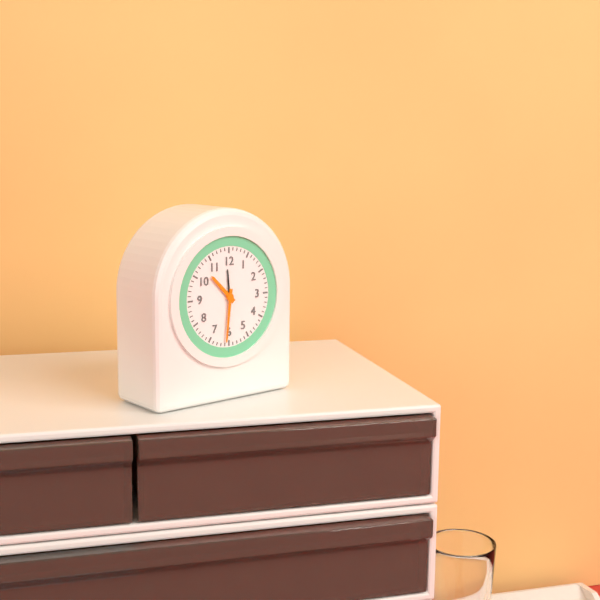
10:31
